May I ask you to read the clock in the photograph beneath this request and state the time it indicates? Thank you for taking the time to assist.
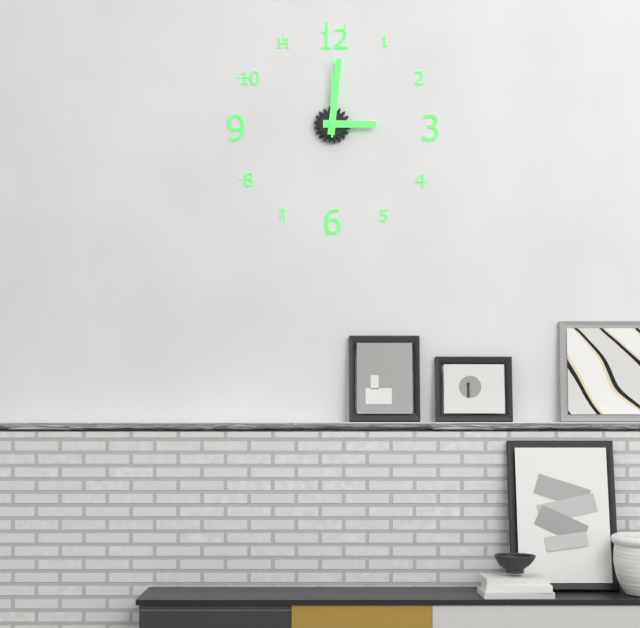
3:01:00
